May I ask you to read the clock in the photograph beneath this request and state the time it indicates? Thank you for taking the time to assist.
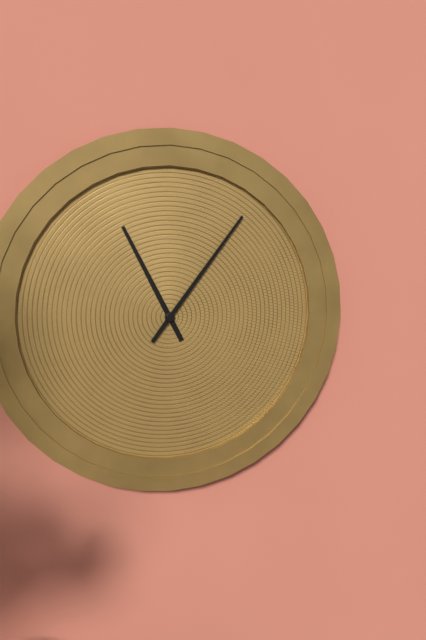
11:06
